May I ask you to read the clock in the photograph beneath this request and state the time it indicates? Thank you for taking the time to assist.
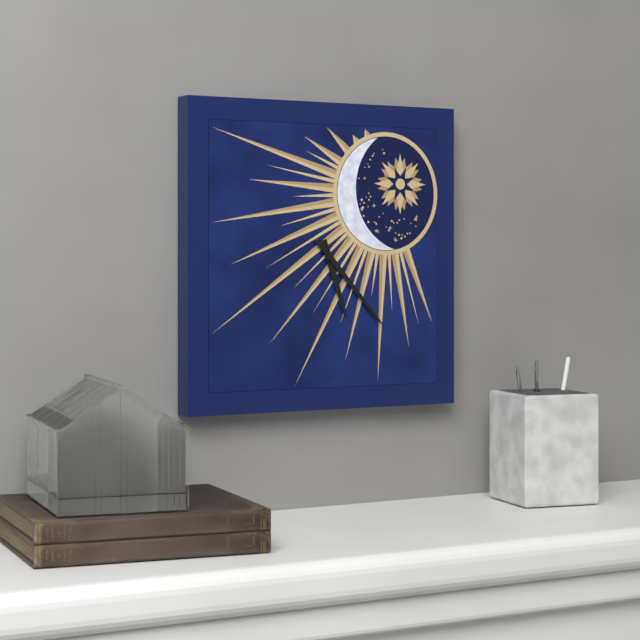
5:23
